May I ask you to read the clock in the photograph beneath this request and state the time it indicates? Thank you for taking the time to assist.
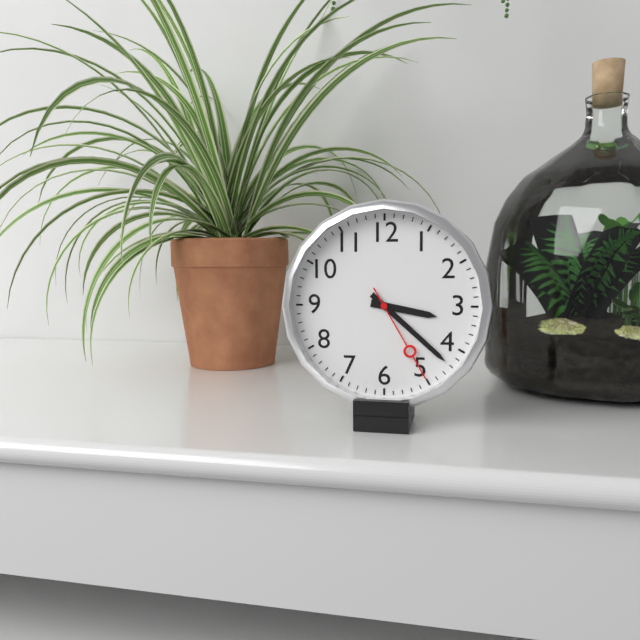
3:22:25
